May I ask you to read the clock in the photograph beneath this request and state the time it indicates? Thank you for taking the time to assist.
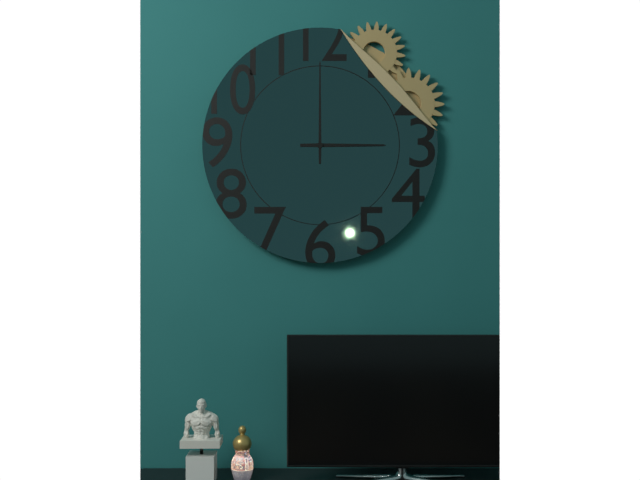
3:00
